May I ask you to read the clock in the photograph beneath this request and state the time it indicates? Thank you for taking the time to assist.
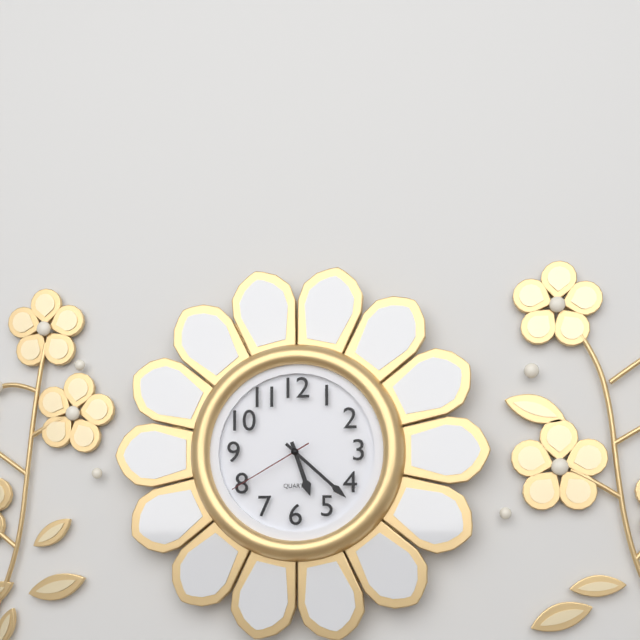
5:22:40
